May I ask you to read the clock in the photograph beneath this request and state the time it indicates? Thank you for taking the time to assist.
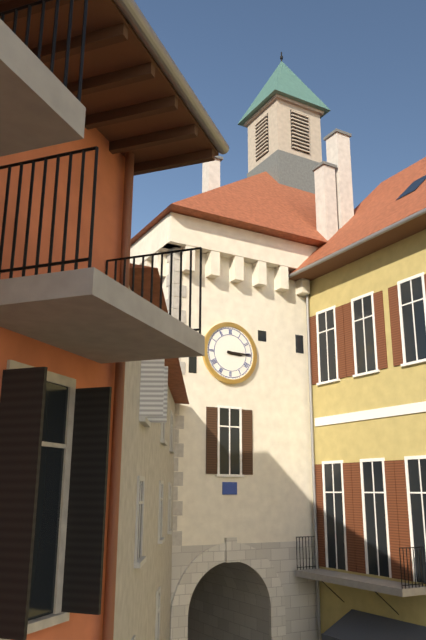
3:15
